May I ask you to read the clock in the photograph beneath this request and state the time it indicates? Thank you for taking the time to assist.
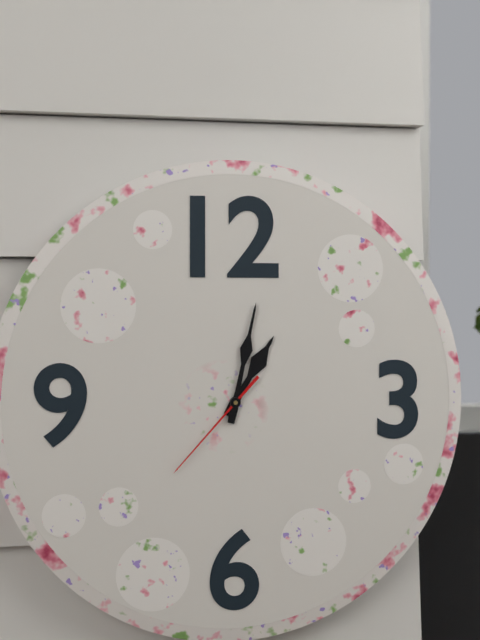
1:02:37
